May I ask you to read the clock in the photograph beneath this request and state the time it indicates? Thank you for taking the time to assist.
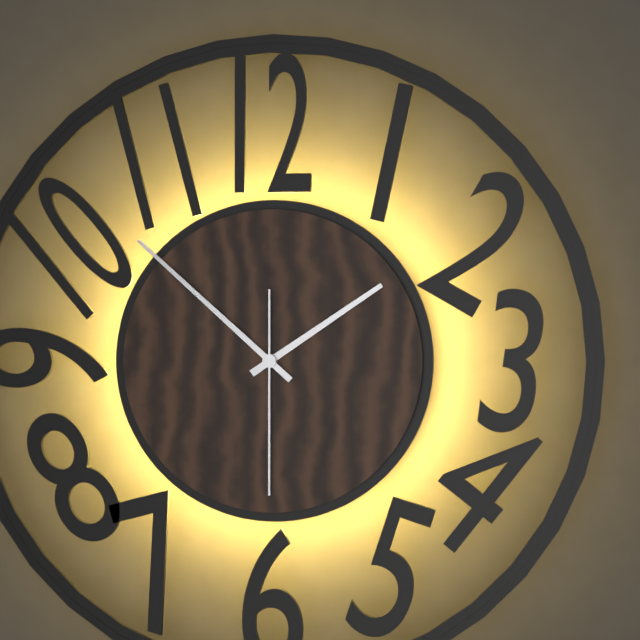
1:52:30
